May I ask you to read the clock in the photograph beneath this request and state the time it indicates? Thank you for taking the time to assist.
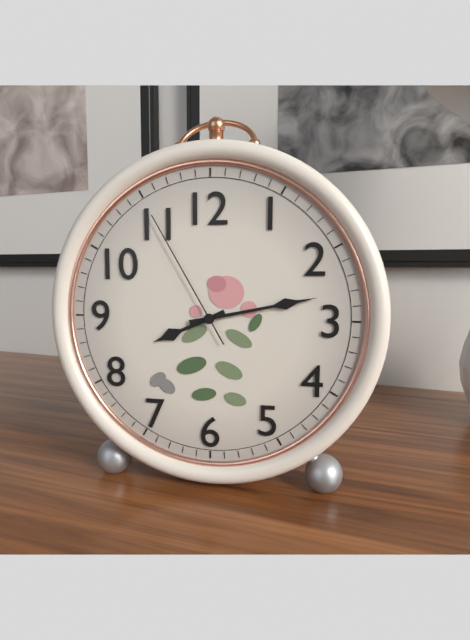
8:13:55
